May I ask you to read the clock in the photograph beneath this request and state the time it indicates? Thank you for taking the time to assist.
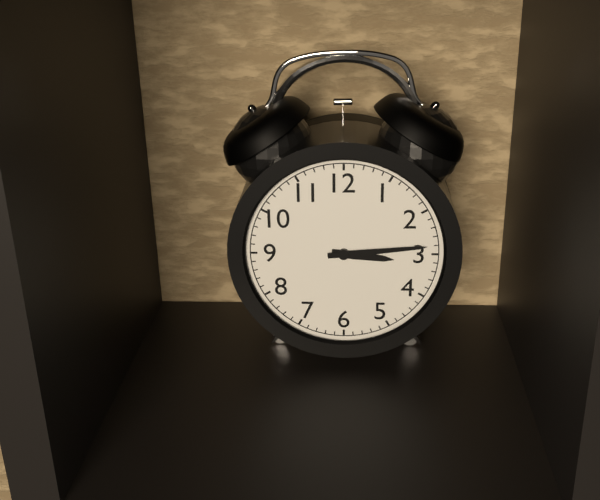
3:14
